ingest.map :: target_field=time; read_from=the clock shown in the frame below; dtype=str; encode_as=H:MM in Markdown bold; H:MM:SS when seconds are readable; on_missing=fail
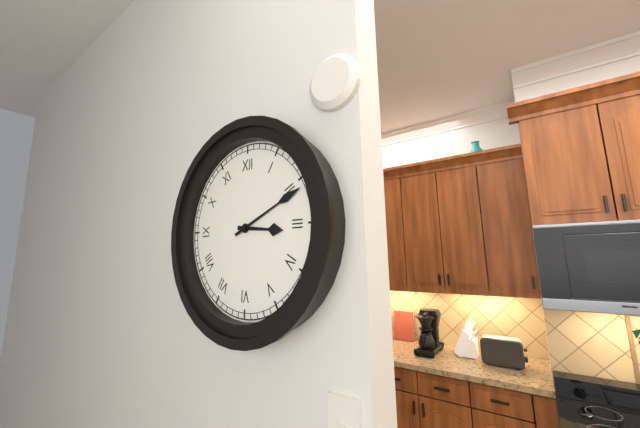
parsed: **3:11**
